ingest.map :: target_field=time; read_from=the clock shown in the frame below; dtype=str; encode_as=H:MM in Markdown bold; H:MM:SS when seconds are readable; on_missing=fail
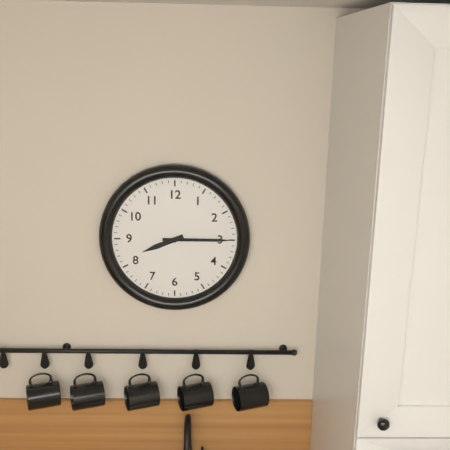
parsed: **8:15**
